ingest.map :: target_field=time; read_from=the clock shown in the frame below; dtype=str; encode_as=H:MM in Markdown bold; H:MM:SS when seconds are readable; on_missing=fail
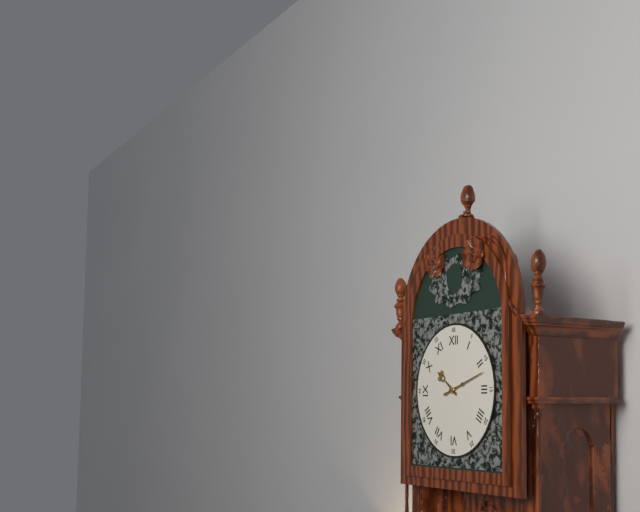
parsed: **10:12**
